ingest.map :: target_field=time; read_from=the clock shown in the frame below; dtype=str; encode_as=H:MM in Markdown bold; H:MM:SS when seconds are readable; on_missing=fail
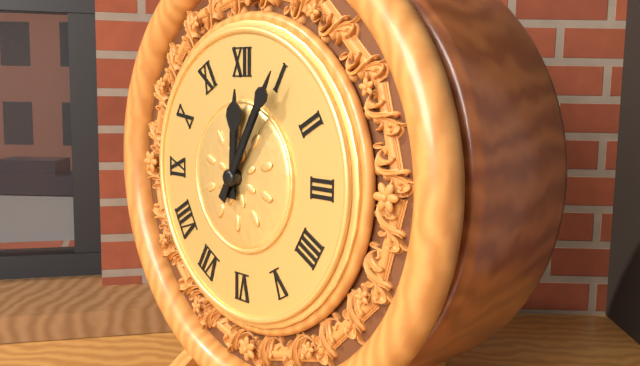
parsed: **12:05**
